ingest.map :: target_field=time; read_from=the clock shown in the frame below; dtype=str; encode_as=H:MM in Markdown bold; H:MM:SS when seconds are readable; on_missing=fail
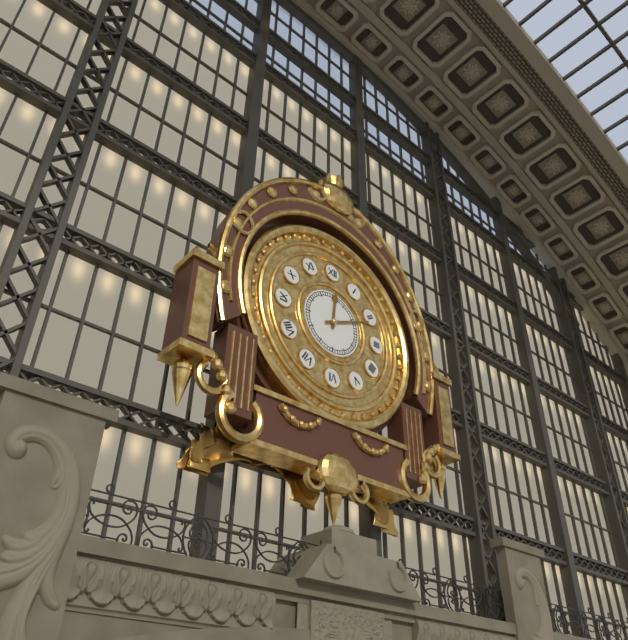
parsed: **12:11**
